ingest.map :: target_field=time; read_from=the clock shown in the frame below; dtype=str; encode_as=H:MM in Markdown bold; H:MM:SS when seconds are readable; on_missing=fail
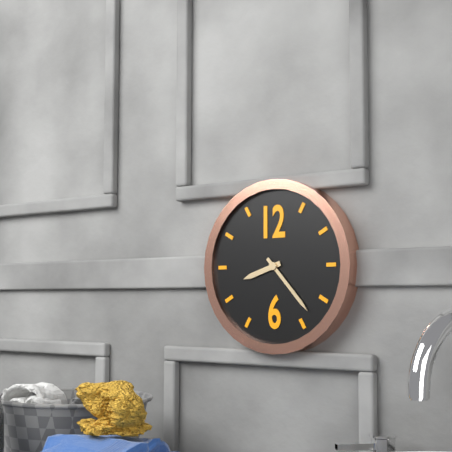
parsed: **8:23**
